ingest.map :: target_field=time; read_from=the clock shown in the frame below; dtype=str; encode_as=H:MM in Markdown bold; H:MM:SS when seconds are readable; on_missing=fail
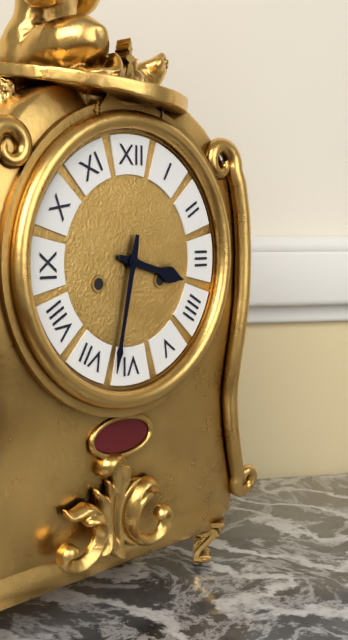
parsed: **3:32**
